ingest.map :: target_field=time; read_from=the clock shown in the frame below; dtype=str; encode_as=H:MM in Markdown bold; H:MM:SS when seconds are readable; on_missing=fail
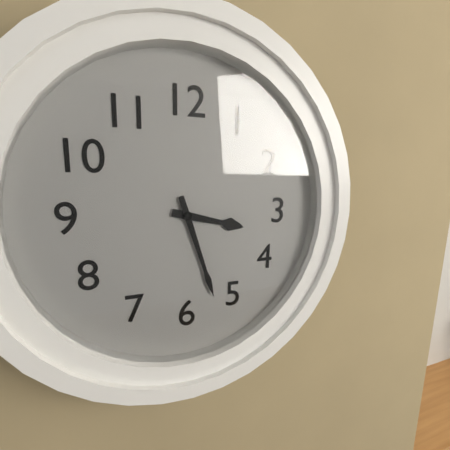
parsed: **3:27**
